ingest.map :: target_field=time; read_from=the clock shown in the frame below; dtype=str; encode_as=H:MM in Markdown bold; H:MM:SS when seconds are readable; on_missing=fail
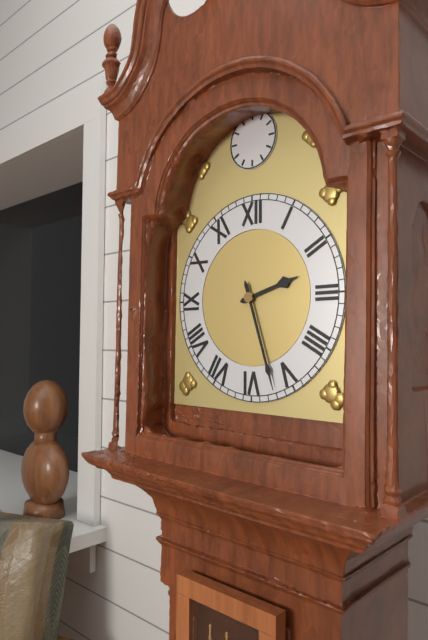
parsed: **2:27**
